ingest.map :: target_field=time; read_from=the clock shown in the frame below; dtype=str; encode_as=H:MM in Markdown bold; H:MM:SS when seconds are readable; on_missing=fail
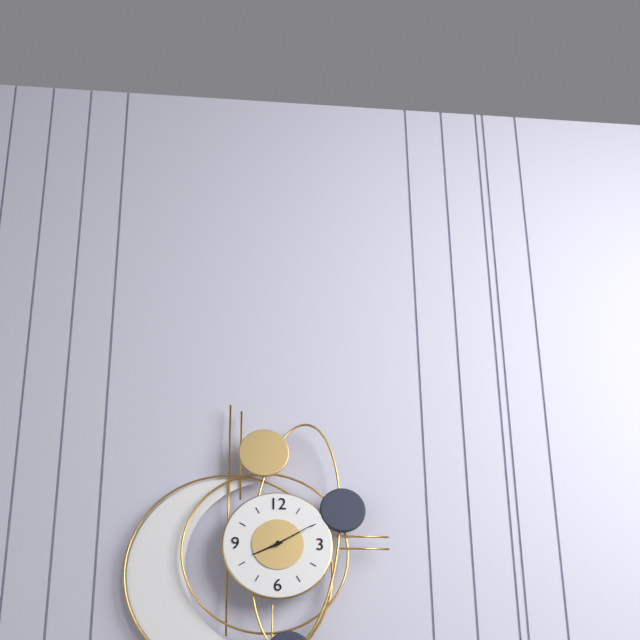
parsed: **8:10**
